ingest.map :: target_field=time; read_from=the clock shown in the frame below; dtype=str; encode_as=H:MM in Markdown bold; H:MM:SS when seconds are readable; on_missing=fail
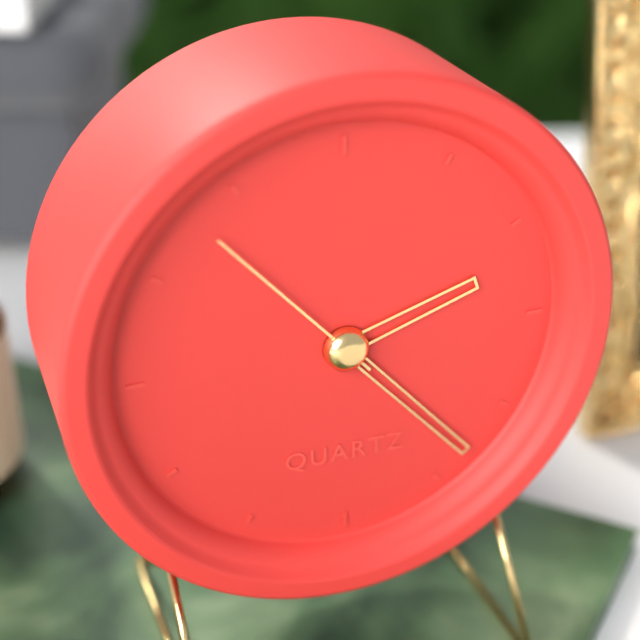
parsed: **2:23:53**
